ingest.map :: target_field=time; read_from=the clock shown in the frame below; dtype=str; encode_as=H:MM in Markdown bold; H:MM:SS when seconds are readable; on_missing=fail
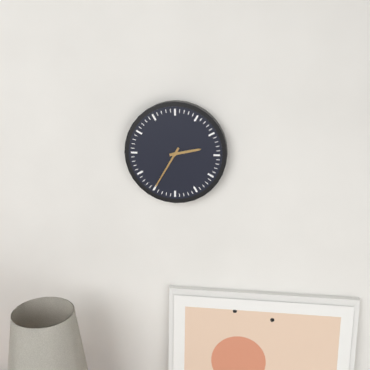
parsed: **2:35**
